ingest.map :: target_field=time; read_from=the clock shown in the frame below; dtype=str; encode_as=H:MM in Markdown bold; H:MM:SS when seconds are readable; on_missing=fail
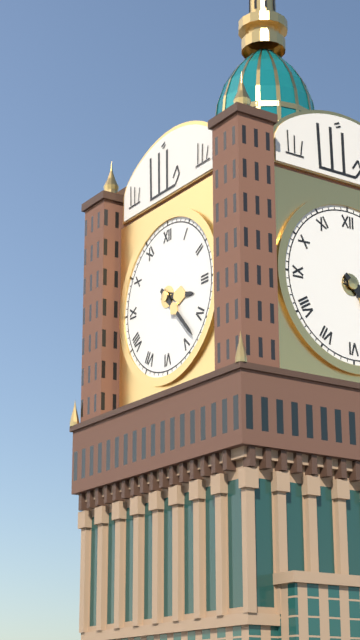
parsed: **3:23**
